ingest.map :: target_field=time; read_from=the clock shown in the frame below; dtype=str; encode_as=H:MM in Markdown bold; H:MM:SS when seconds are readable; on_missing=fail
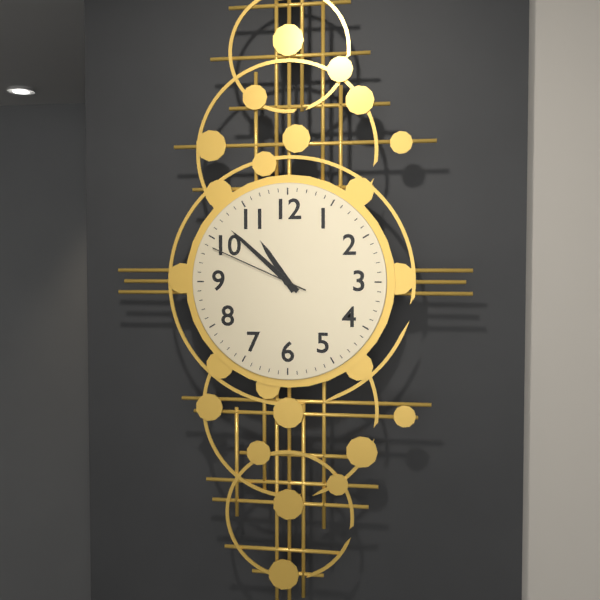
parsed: **10:52:49**
